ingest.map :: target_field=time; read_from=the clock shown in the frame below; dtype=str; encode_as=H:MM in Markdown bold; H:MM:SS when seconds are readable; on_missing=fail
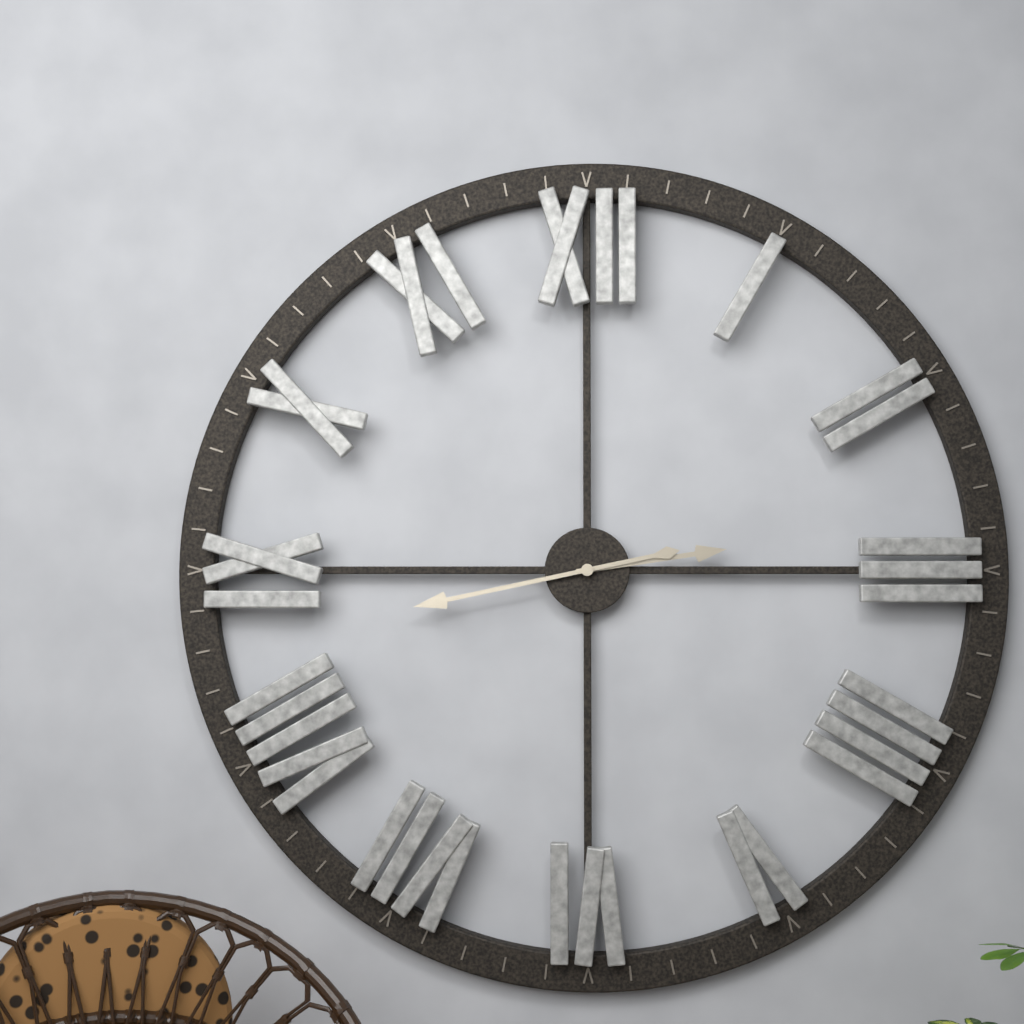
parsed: **2:43**
